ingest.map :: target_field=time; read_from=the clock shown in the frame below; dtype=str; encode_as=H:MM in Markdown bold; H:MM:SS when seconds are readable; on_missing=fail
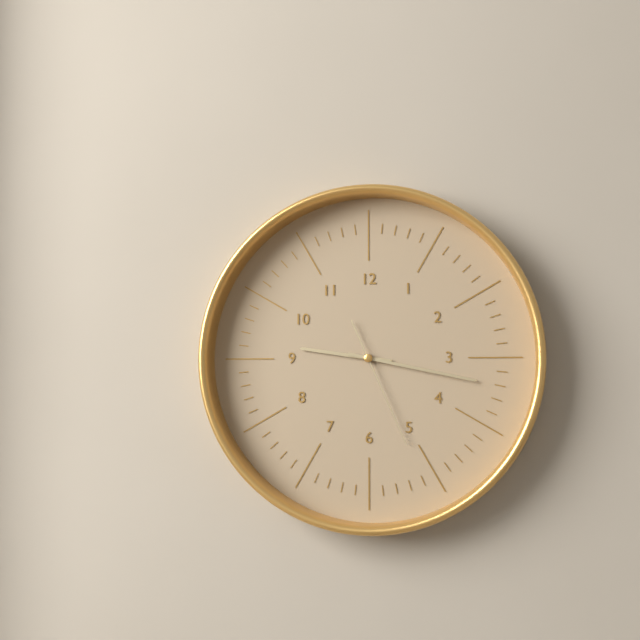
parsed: **9:17:26**
